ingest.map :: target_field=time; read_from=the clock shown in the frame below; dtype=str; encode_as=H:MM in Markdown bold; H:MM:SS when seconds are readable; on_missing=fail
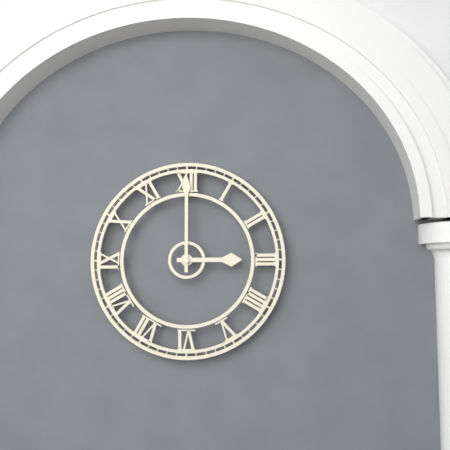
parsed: **3:00**
